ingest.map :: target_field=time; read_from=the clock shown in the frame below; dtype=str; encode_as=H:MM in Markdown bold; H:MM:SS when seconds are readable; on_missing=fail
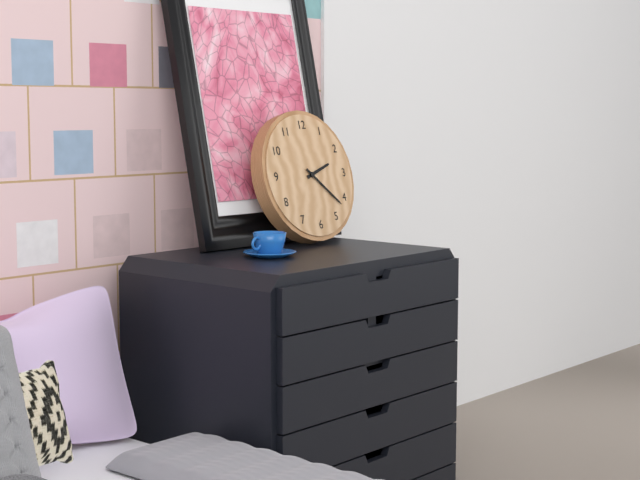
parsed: **2:22**
